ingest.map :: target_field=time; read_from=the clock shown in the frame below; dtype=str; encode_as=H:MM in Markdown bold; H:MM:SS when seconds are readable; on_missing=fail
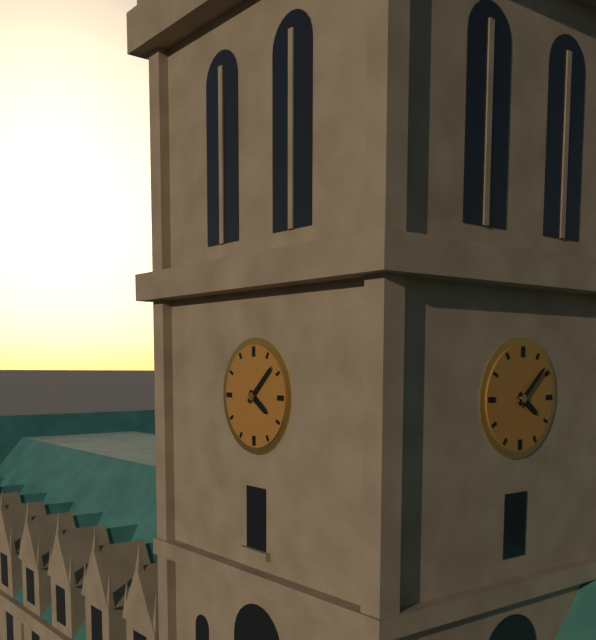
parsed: **4:08**
